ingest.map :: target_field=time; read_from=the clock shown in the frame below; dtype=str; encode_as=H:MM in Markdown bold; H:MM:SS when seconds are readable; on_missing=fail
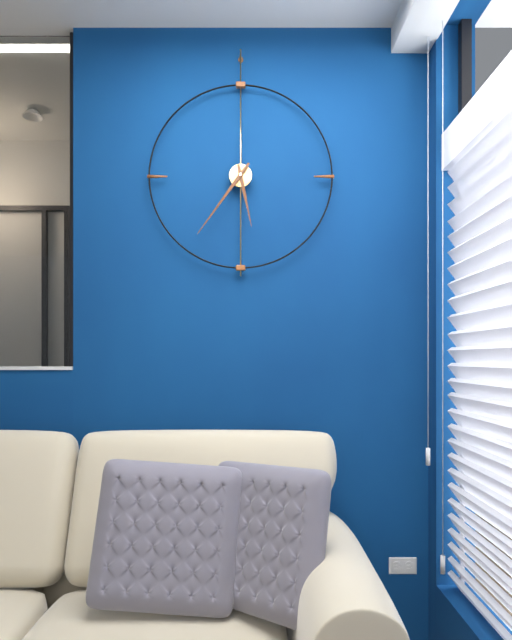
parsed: **5:36**
